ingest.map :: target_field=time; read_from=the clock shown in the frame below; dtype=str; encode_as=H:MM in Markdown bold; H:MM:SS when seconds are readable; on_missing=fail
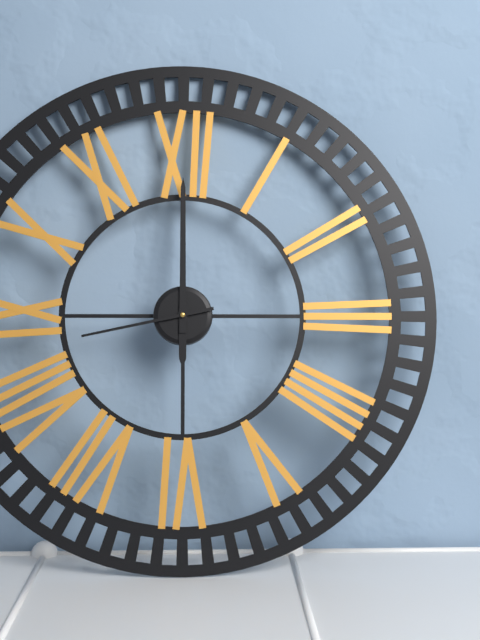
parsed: **6:00:43**
